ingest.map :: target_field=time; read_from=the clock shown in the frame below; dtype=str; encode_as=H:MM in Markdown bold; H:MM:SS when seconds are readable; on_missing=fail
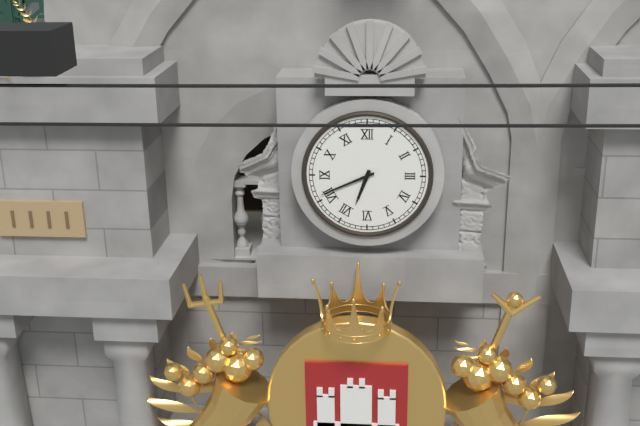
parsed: **6:41**
